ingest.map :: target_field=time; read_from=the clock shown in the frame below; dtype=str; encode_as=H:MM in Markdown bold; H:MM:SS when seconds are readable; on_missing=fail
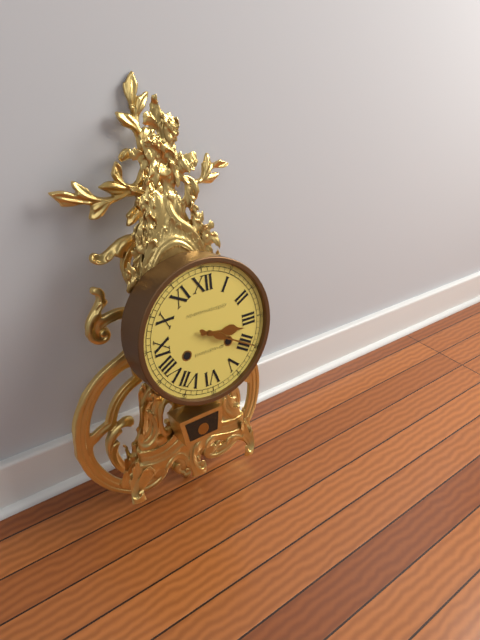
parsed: **3:20**
